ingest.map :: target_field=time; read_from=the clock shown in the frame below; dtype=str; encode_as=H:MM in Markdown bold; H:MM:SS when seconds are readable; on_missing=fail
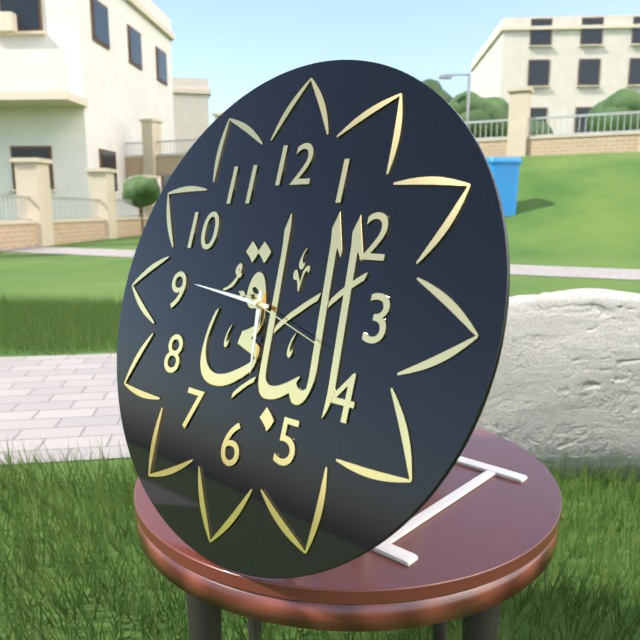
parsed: **5:46:18**
